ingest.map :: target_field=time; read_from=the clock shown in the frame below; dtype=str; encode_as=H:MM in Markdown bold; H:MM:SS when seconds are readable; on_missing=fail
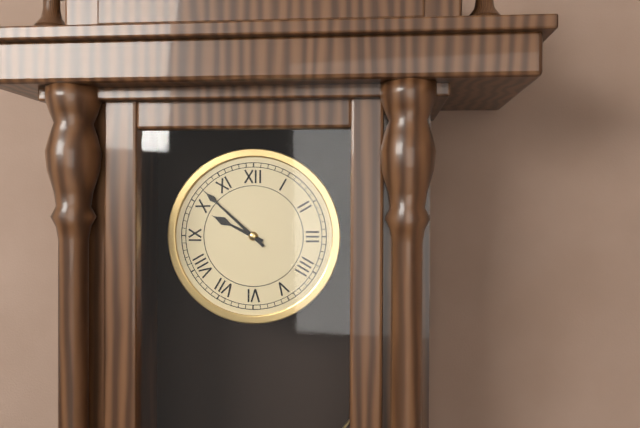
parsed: **9:52**
